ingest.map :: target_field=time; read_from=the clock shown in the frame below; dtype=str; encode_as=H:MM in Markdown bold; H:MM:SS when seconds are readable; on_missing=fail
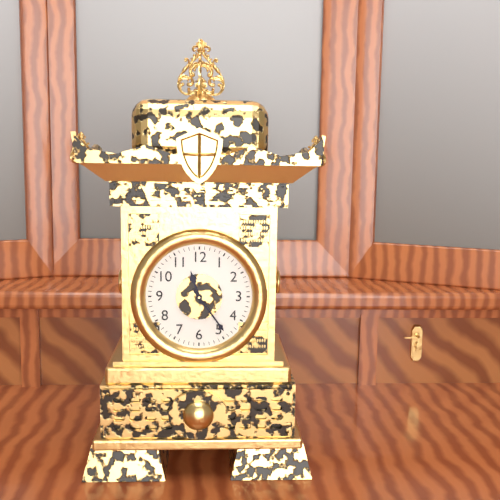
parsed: **11:24**
